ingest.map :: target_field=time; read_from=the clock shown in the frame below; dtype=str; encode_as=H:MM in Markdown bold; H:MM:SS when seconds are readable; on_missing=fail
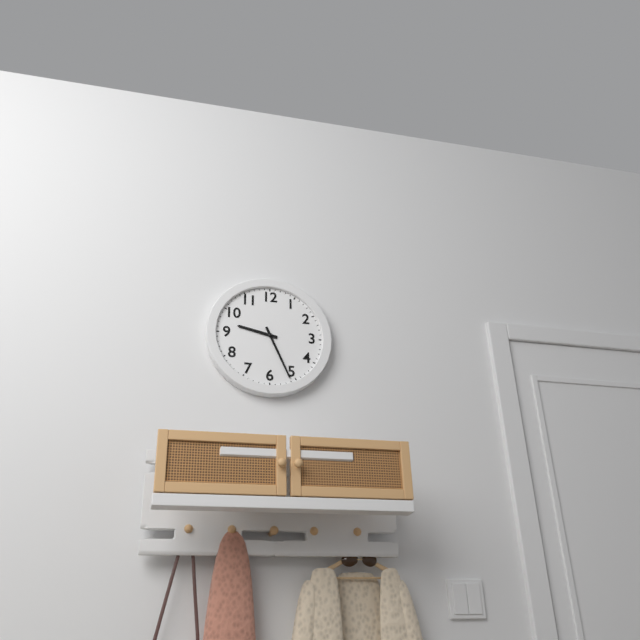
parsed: **9:26**
